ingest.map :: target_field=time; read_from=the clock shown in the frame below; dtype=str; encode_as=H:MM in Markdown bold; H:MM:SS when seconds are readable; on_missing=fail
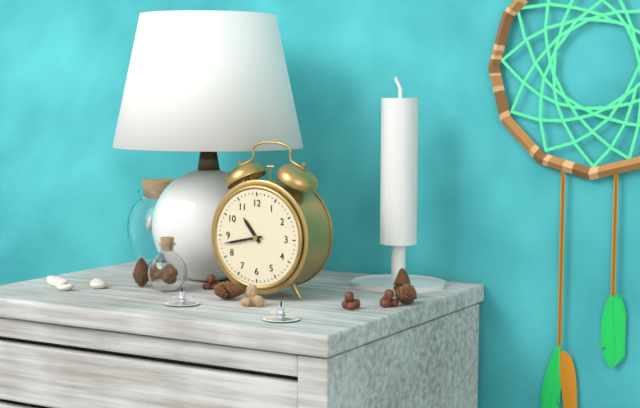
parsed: **10:43**
